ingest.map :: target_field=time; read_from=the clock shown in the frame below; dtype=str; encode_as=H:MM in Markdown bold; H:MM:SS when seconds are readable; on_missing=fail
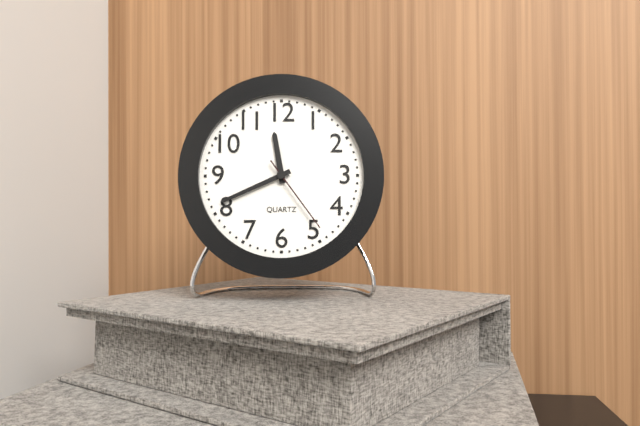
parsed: **11:41:24**
